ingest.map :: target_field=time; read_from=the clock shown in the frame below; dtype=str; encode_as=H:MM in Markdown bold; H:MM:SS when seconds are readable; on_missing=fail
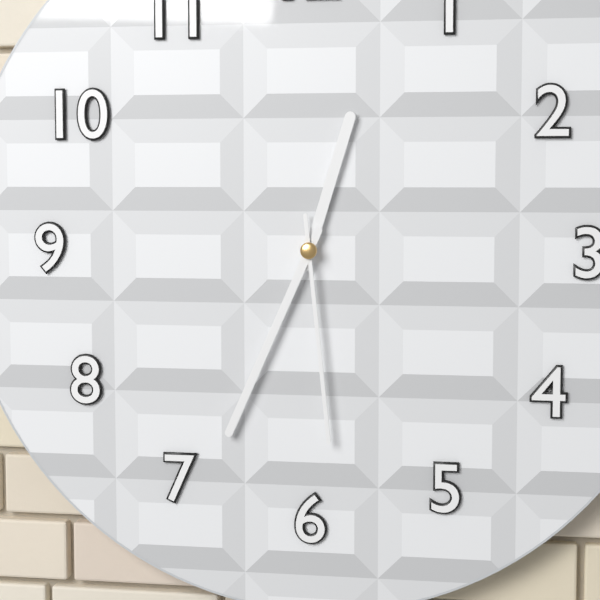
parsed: **12:34:29**
